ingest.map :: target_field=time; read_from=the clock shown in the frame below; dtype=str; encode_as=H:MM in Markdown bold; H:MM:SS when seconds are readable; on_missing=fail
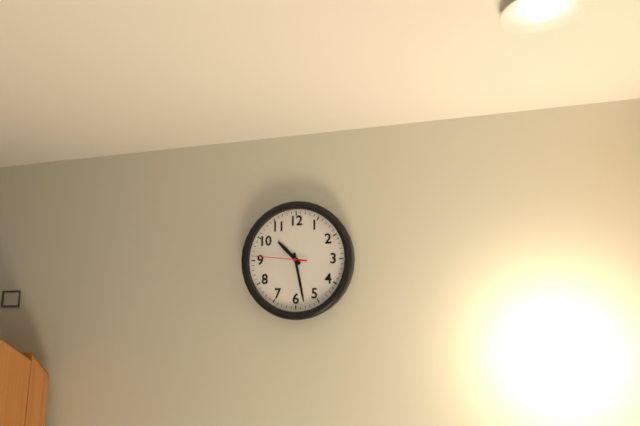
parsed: **10:28:46**
